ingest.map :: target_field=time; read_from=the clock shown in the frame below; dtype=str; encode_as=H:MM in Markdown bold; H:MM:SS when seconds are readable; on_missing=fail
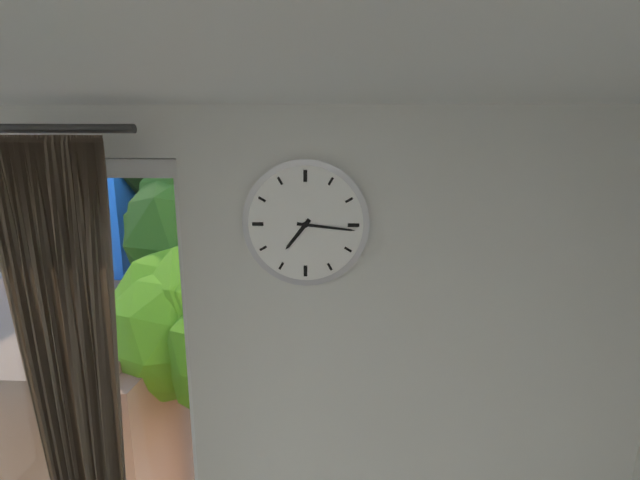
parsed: **7:16**
